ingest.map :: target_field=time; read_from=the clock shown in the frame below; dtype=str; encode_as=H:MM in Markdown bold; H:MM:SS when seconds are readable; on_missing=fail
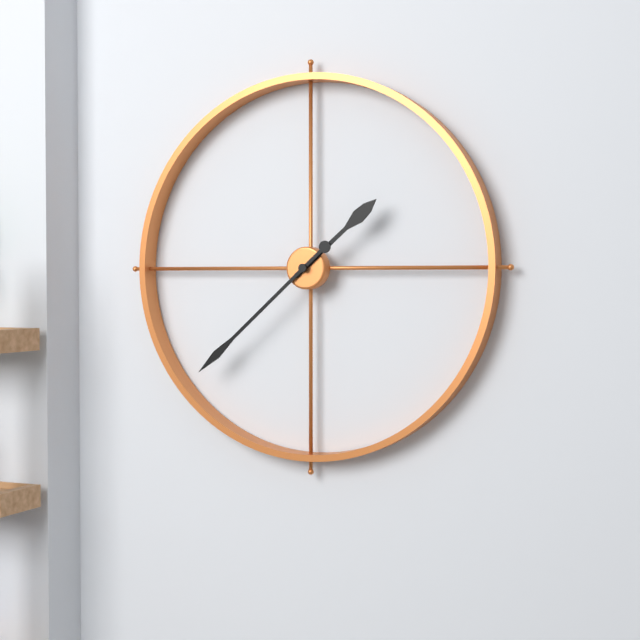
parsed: **1:38**
